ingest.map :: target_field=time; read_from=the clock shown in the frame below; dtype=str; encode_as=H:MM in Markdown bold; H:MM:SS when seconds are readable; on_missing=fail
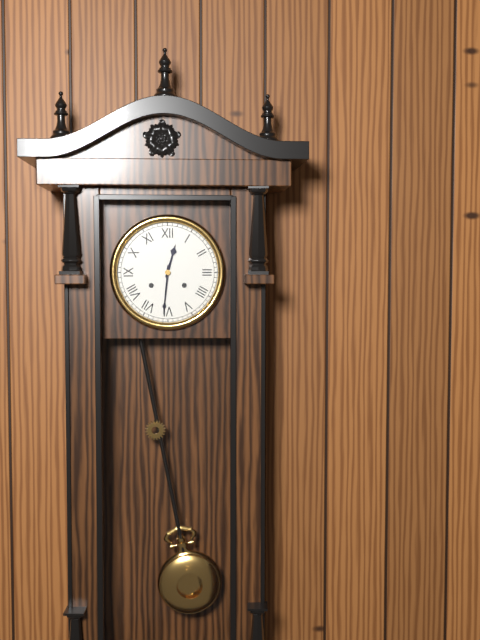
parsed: **12:31**
